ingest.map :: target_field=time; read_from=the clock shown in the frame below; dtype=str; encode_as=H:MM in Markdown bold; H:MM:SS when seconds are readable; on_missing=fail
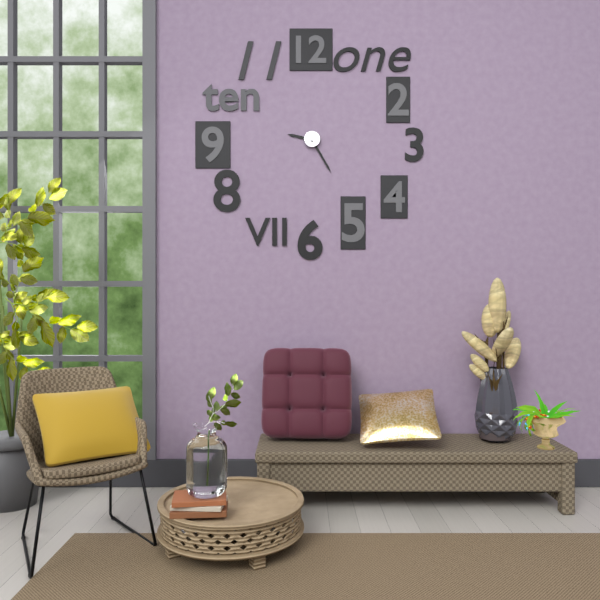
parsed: **9:25**
